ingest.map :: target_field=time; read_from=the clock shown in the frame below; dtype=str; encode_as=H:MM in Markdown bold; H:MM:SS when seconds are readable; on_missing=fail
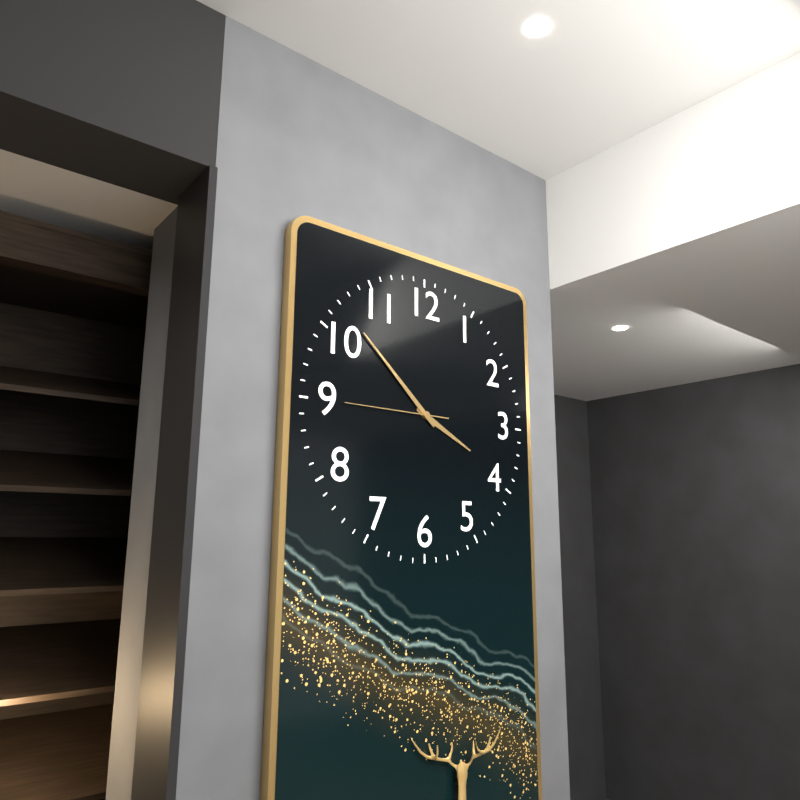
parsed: **3:52:45**
